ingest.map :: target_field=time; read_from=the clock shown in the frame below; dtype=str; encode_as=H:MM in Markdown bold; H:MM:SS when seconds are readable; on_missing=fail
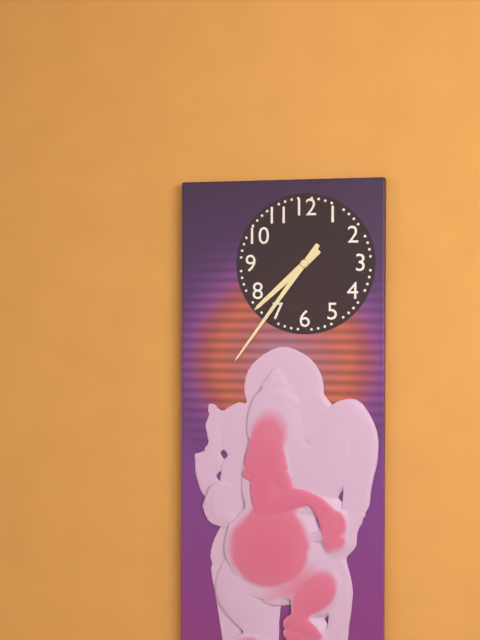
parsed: **7:36**
